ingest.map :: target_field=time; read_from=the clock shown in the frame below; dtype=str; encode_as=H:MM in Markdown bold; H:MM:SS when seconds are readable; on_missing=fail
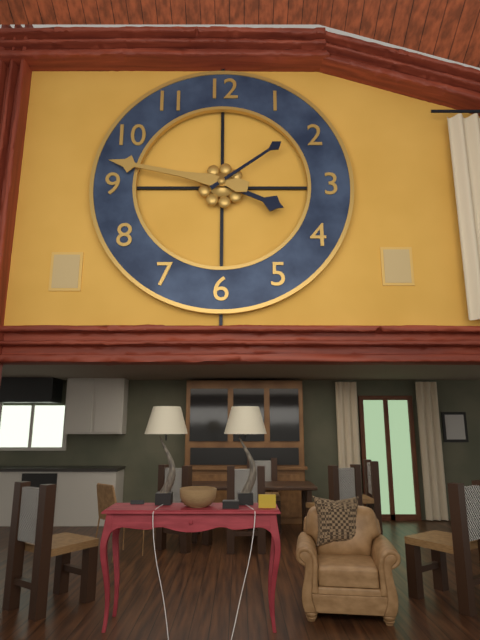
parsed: **3:47:09**
